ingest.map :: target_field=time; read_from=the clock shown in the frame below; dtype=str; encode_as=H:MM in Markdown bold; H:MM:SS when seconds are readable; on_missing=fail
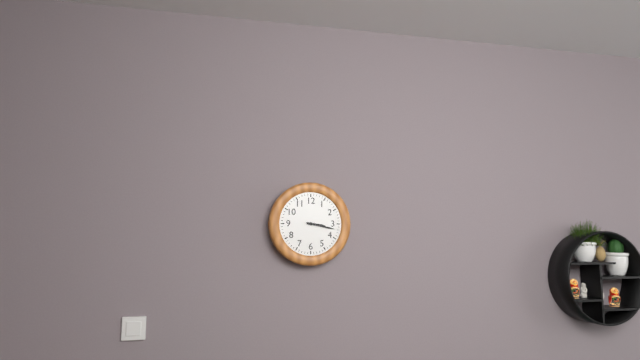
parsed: **3:17**
